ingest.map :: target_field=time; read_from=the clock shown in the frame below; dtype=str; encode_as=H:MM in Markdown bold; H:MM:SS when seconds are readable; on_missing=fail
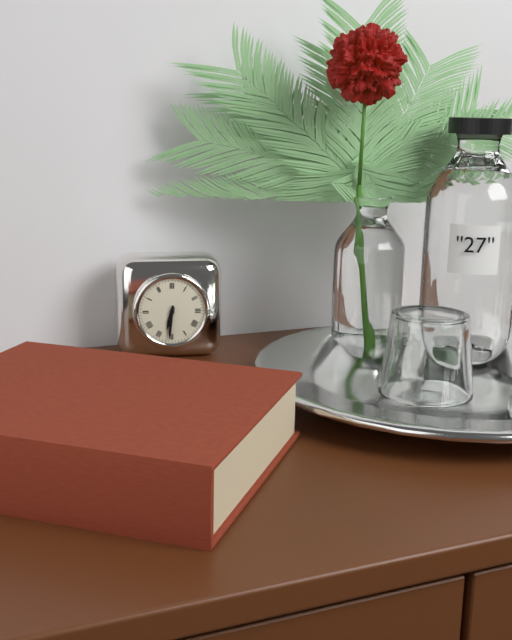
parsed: **6:31**
